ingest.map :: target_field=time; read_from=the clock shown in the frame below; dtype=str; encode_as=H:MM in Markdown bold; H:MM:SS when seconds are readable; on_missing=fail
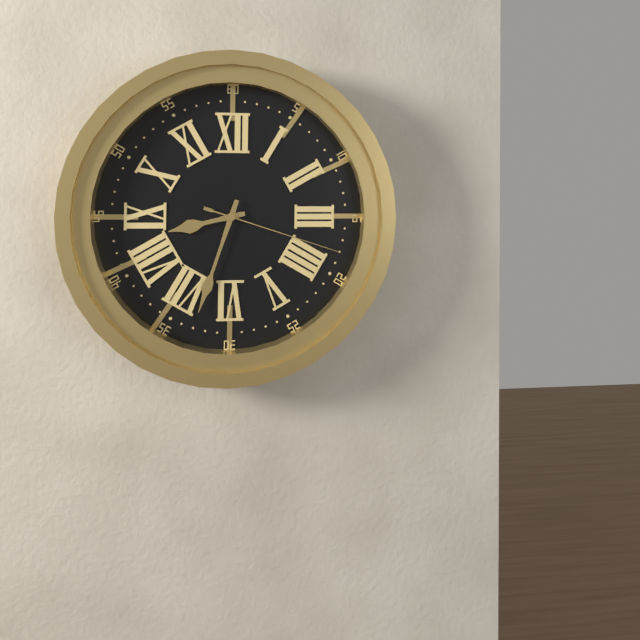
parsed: **8:33:18**
